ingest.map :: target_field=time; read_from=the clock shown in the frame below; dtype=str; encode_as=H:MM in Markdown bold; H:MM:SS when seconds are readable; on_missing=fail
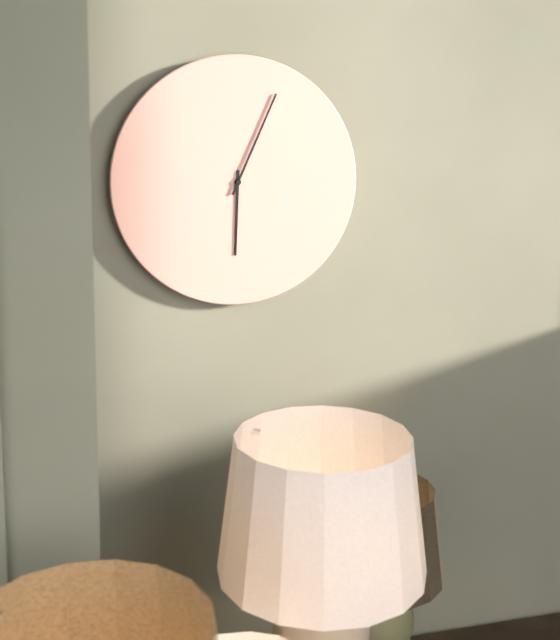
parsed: **6:04**
